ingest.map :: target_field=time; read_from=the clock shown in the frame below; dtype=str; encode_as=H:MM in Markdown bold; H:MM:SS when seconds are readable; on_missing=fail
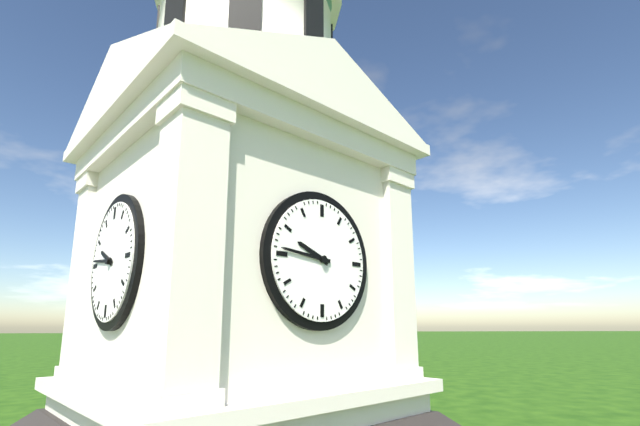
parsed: **9:46**
